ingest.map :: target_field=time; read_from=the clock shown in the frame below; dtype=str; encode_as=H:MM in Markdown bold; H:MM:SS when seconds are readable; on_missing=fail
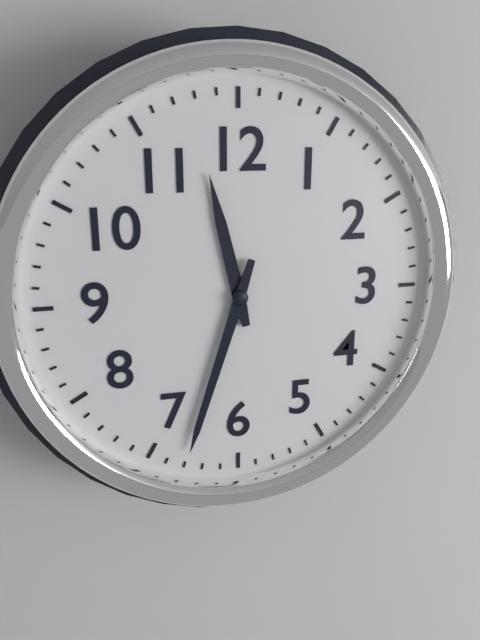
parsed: **11:33**
